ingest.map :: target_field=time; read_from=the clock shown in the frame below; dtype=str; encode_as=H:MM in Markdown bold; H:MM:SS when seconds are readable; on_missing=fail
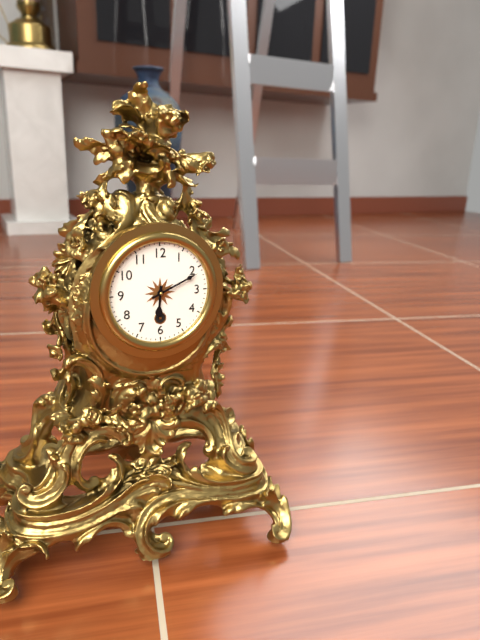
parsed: **6:11**
